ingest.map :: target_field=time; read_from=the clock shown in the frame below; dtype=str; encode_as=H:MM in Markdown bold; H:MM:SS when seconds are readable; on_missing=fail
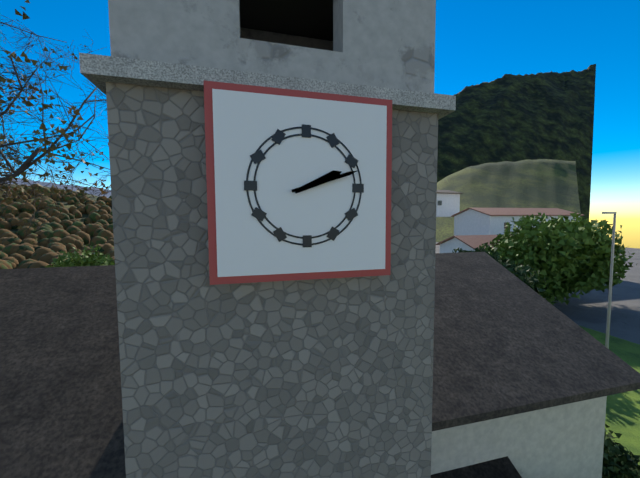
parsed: **2:12**
